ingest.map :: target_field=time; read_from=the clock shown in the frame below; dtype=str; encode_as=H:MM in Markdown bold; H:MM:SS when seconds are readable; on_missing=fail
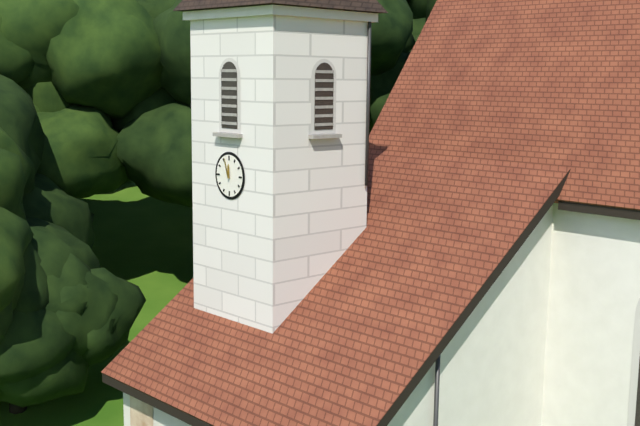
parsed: **11:57**
